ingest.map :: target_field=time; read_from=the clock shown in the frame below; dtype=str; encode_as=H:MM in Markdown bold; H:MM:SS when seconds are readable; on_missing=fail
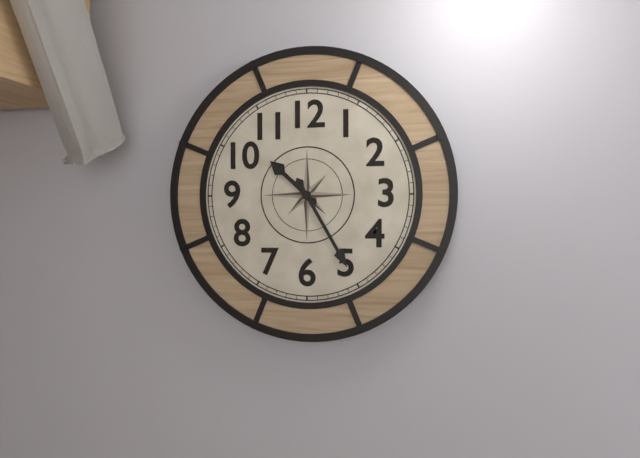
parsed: **10:25**
